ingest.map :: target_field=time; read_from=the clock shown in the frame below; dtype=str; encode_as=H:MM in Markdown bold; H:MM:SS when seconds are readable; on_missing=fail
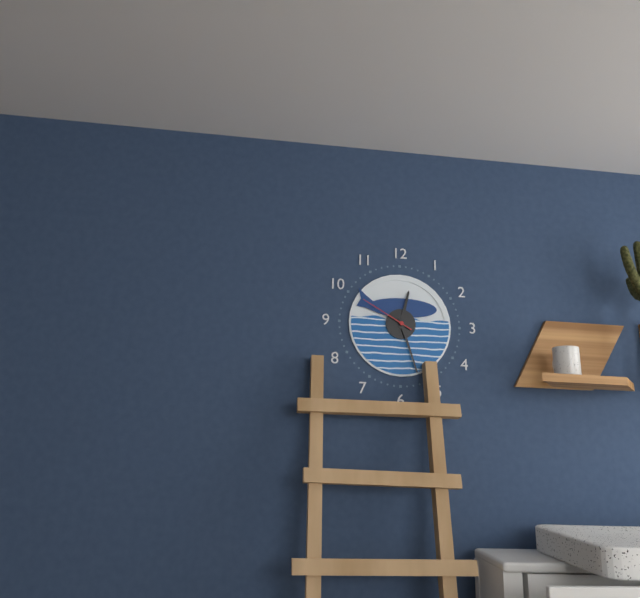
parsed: **12:27:50**
